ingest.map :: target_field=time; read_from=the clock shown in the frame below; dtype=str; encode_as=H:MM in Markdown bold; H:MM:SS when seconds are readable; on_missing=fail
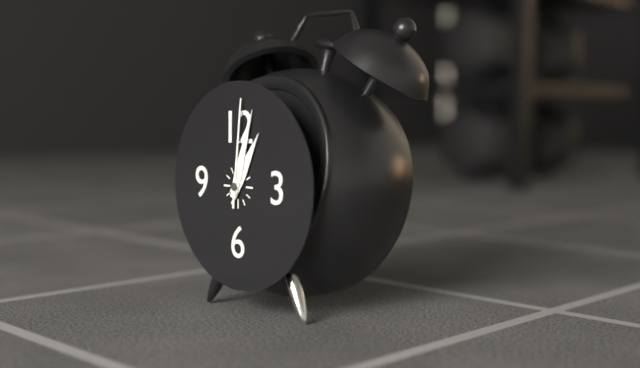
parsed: **1:03:01**
